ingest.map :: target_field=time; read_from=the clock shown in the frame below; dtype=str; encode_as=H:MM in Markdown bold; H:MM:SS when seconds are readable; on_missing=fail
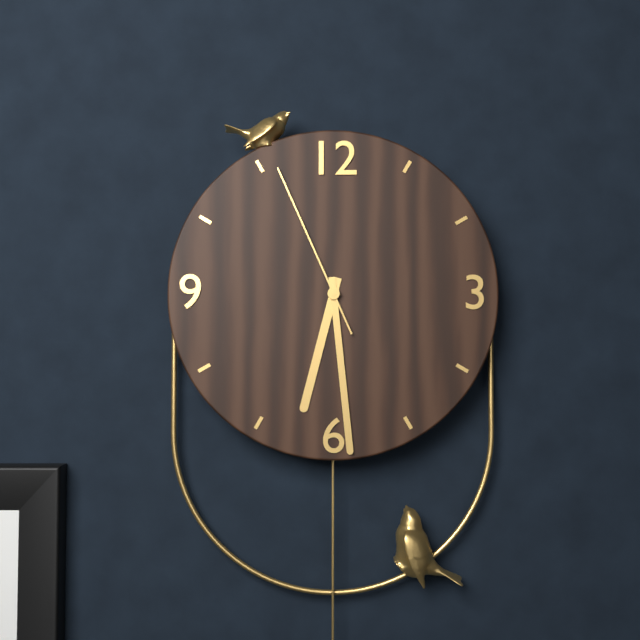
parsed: **6:29:56**
